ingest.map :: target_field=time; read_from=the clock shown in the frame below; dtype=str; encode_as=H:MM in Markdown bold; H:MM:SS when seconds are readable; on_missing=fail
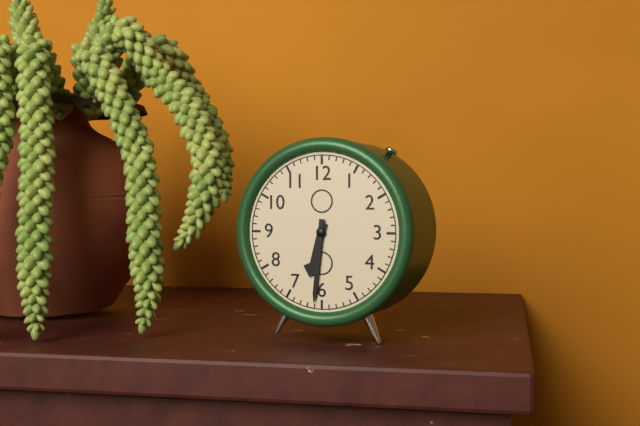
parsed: **6:31**
